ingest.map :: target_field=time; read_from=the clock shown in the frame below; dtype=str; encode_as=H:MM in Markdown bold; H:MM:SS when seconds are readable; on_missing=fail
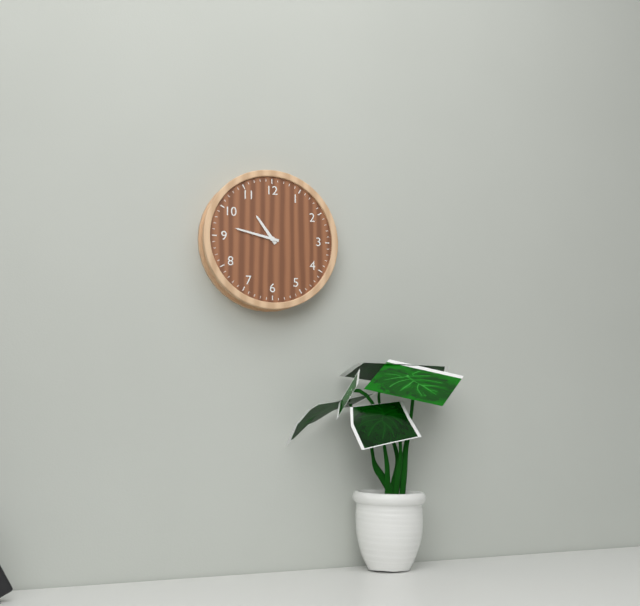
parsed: **10:47**
